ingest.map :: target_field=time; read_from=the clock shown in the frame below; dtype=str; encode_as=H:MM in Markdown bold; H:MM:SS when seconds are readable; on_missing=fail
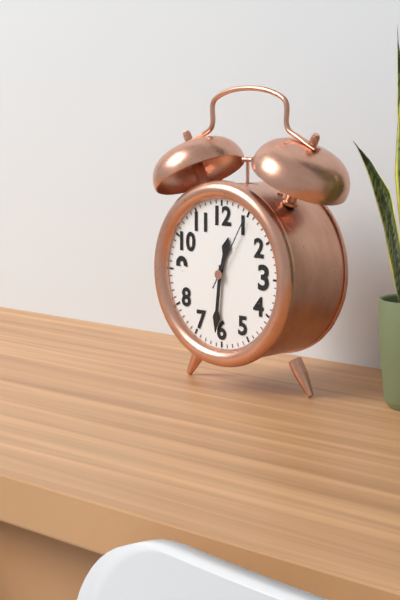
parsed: **12:31:05**
